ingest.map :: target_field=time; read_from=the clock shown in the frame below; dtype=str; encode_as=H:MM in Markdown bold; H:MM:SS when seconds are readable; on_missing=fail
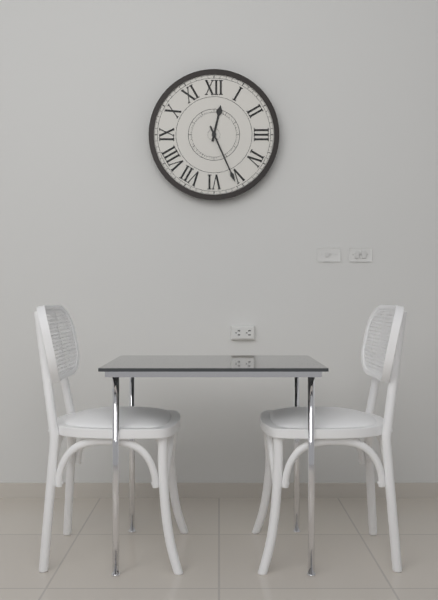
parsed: **12:26**
